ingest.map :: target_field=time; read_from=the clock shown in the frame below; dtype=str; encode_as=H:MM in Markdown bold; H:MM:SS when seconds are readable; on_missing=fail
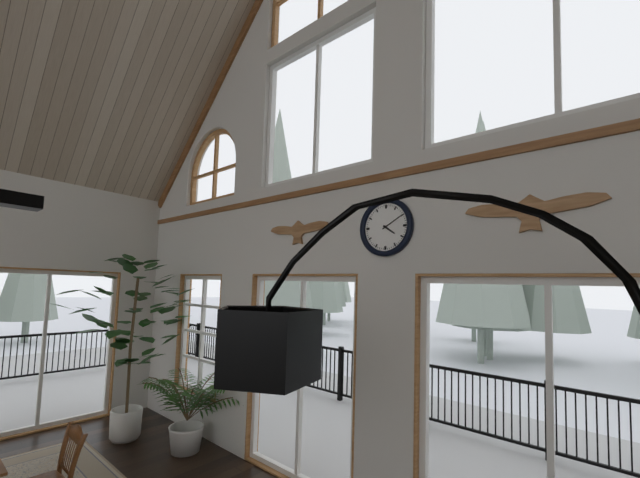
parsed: **4:10**
